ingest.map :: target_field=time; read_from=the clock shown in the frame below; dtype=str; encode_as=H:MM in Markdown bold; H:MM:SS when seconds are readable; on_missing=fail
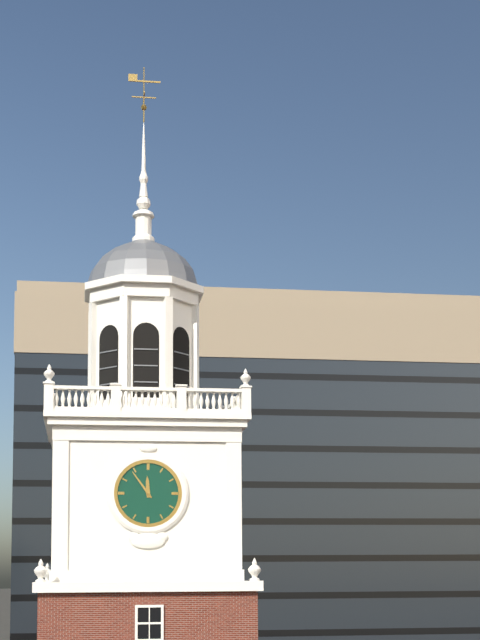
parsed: **11:54**
